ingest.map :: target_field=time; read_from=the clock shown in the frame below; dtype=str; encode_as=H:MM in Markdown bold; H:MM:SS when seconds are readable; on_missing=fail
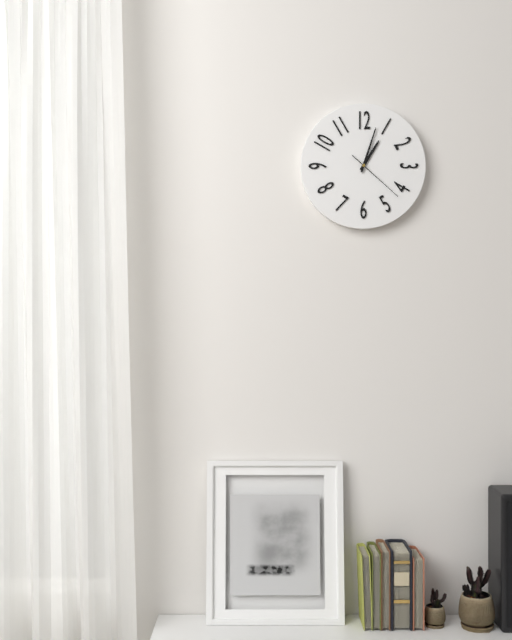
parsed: **1:03:22**
